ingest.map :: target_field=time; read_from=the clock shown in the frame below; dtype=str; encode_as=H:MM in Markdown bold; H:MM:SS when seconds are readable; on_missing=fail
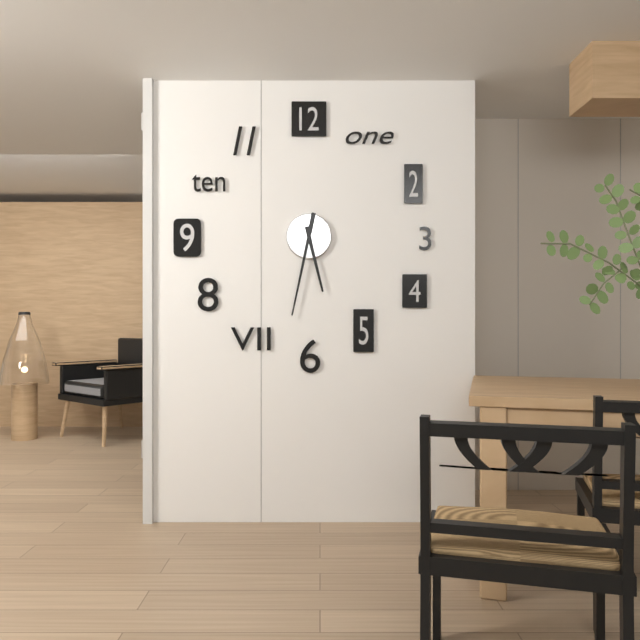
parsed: **5:32**
